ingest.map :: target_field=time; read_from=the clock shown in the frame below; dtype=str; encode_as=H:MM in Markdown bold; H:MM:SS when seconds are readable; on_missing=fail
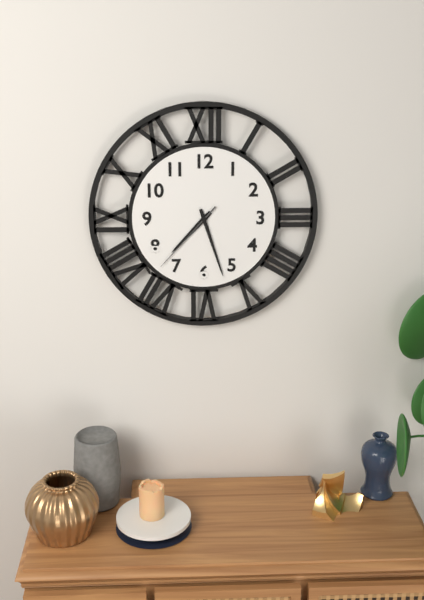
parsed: **7:27:37**
